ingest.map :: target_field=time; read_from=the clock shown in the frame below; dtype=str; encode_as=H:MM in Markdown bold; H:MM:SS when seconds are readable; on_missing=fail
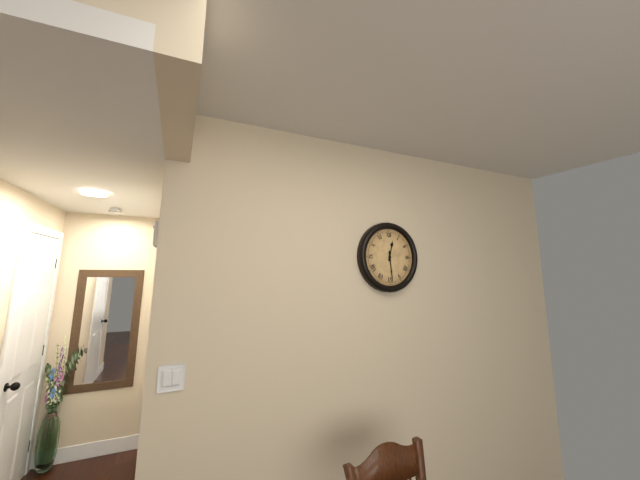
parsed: **12:29**
